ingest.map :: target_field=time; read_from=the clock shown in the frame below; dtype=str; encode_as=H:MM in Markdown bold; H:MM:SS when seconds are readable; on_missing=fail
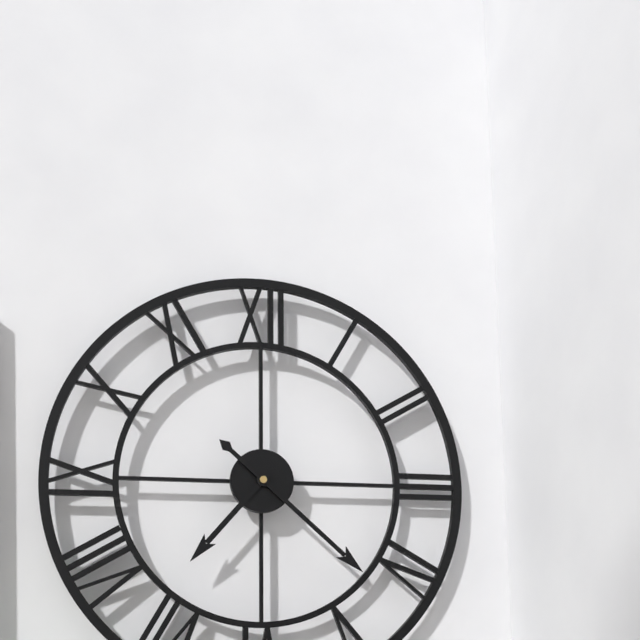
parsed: **7:22**
